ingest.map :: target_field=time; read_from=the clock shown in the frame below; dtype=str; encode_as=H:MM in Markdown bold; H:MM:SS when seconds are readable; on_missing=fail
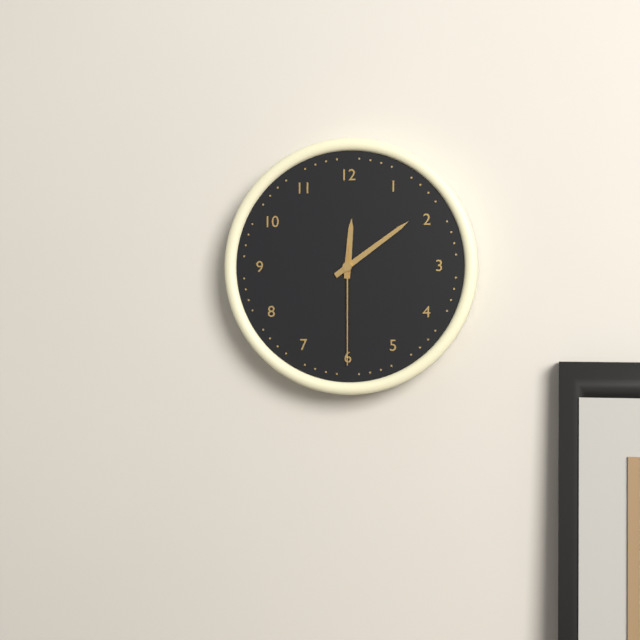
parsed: **12:09:30**
